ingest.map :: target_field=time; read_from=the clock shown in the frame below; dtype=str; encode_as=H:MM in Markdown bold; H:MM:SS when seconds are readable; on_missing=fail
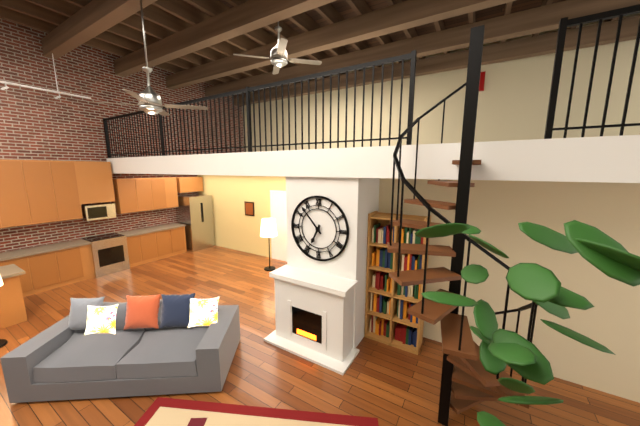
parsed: **6:53**
